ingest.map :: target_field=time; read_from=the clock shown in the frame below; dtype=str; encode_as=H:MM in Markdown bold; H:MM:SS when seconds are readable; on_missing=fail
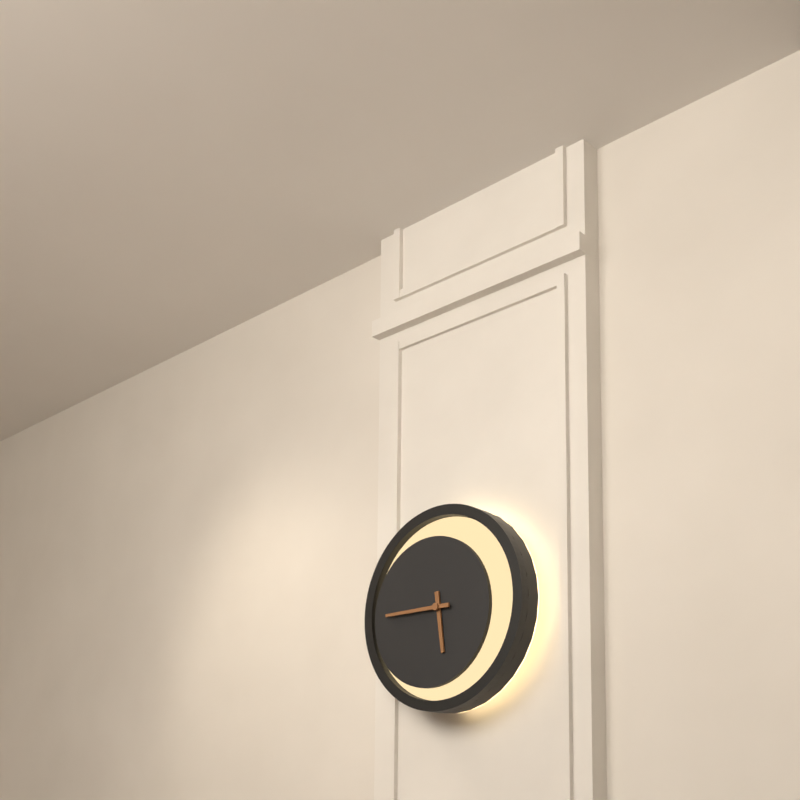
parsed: **5:45**
